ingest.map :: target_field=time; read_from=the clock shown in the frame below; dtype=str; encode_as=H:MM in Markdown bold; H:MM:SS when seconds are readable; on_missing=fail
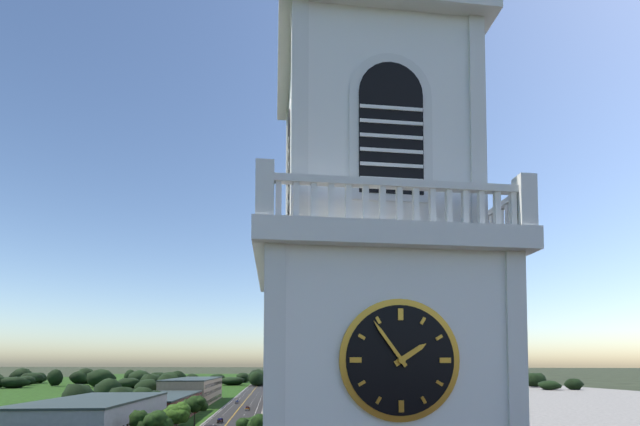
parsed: **1:54**
